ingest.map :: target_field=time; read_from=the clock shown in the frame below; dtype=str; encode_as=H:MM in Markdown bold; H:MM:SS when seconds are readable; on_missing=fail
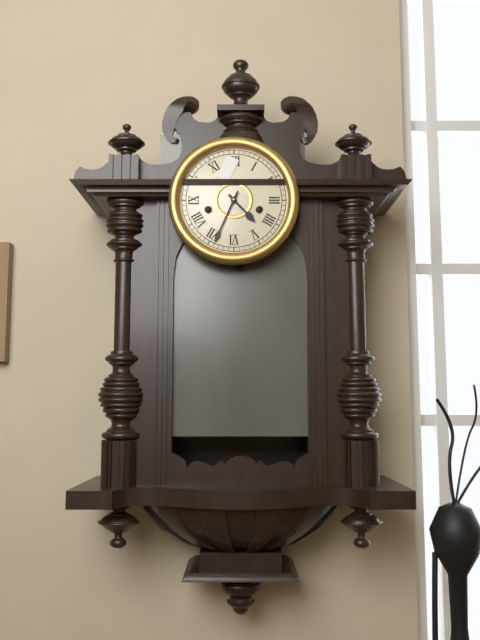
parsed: **4:34**
